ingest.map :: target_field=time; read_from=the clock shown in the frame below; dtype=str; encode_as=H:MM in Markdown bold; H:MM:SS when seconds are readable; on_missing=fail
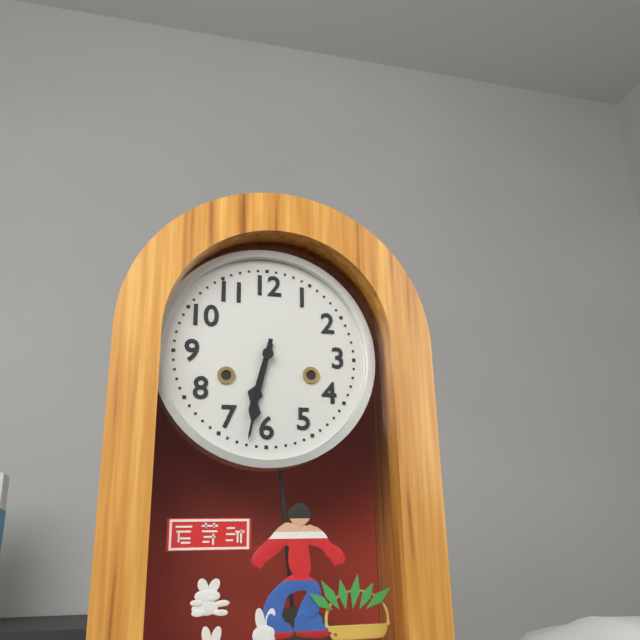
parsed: **6:32**
